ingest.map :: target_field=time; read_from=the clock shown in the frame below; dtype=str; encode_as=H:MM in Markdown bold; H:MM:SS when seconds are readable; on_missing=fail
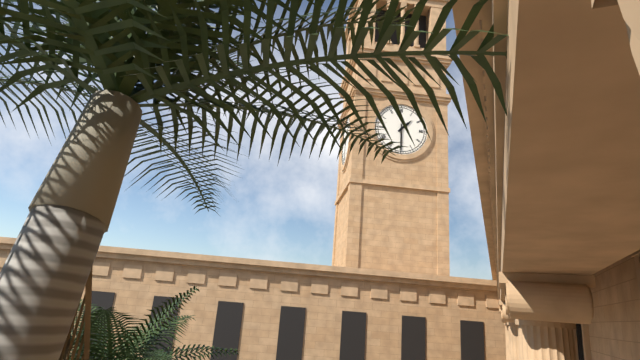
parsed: **1:30**
